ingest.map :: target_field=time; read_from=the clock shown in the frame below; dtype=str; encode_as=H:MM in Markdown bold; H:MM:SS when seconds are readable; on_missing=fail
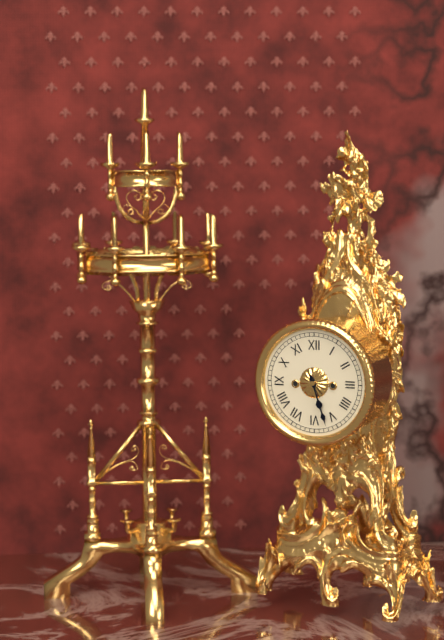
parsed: **5:27**
